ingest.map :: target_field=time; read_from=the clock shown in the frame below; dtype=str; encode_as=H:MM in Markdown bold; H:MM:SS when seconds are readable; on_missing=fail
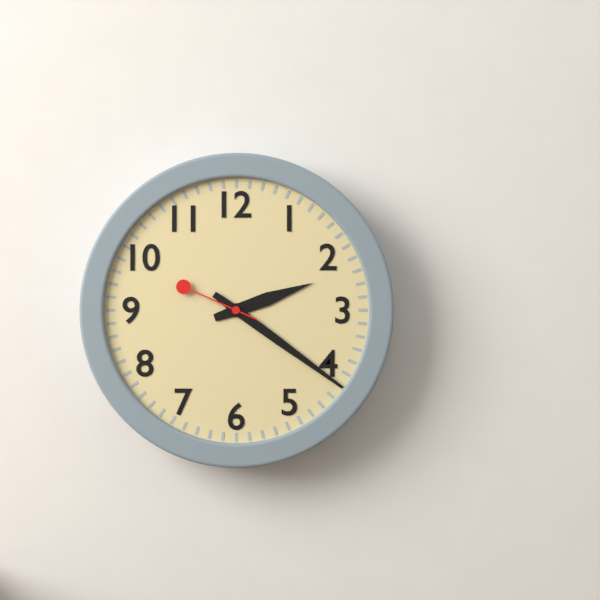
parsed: **2:21:49**
